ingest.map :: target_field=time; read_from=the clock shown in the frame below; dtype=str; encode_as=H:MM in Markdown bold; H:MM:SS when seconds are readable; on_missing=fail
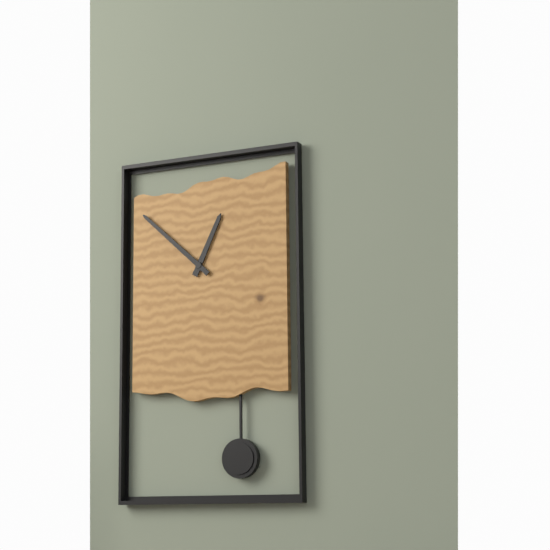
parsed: **12:52**
